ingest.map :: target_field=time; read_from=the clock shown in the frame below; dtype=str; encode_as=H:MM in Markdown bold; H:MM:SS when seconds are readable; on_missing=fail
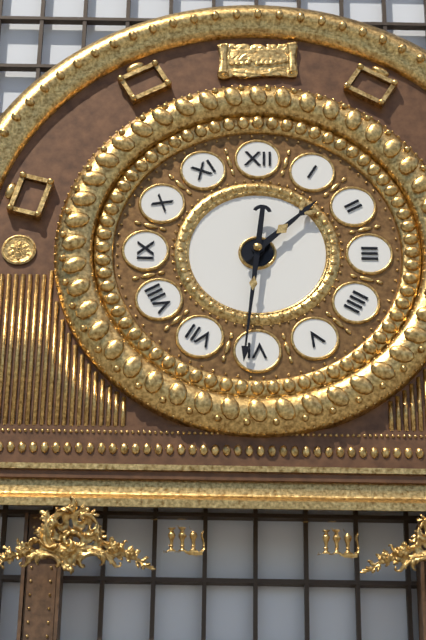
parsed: **1:31**
